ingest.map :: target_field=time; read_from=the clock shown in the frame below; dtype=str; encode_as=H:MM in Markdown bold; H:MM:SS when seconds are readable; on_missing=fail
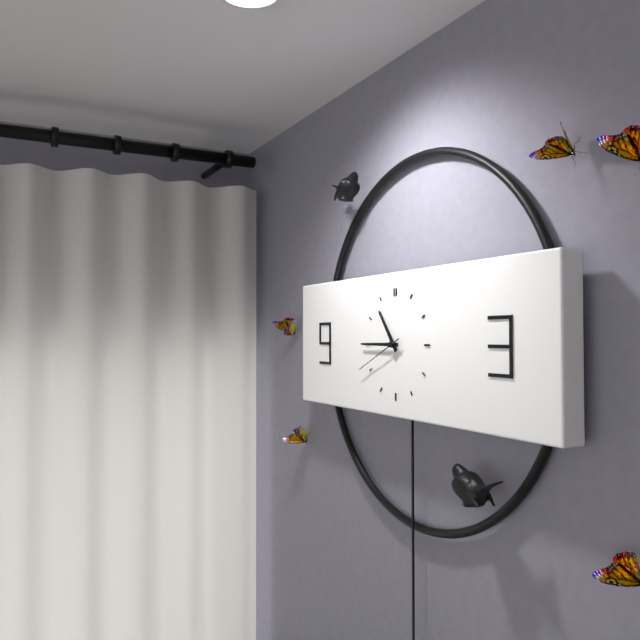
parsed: **10:45:41**
